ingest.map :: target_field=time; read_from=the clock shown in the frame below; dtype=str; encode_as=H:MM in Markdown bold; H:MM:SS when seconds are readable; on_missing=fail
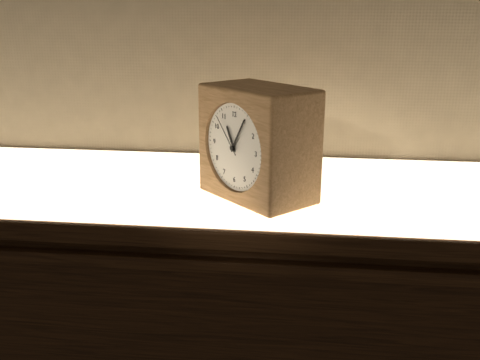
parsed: **11:05**
